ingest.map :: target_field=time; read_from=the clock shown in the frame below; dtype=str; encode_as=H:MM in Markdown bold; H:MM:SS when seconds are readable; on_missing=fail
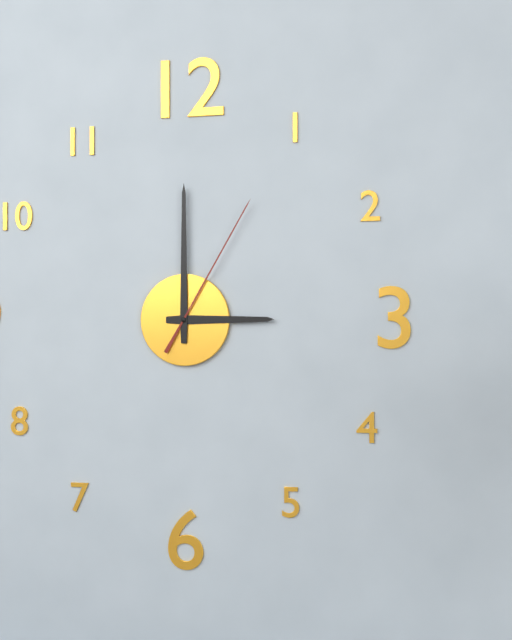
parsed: **3:00:05**
